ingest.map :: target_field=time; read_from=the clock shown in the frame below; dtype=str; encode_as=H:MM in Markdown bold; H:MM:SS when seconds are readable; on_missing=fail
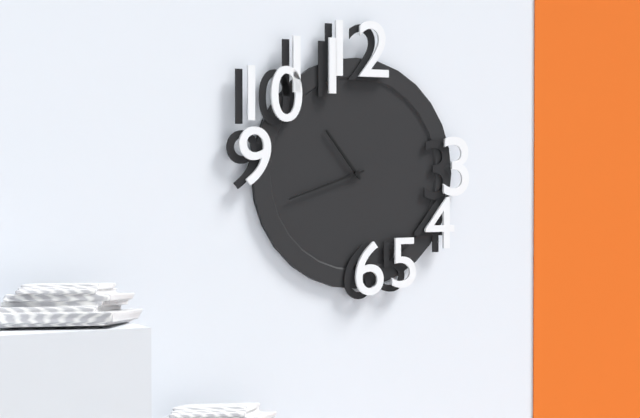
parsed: **10:42**
